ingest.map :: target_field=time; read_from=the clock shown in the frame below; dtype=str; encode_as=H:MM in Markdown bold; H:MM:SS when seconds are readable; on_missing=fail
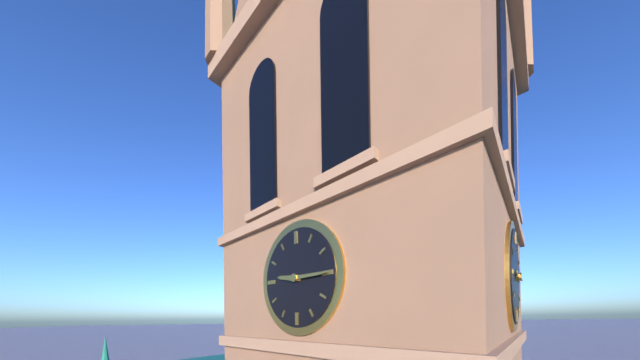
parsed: **9:15**
